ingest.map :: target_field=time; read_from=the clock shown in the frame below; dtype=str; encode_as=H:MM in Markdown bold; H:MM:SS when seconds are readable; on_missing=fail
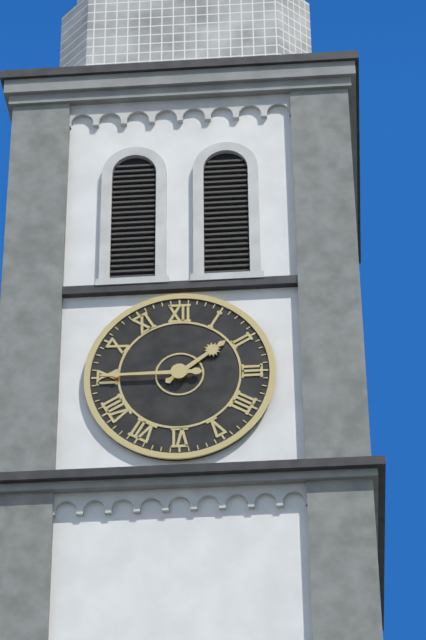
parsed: **1:45**
